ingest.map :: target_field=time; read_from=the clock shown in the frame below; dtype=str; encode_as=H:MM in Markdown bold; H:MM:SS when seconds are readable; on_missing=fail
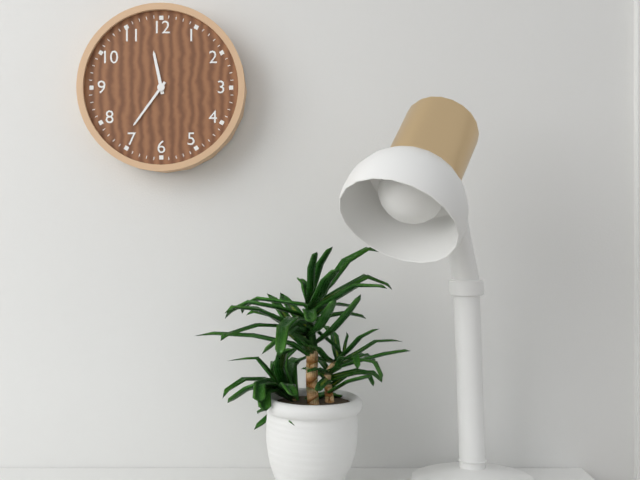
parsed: **11:36**
